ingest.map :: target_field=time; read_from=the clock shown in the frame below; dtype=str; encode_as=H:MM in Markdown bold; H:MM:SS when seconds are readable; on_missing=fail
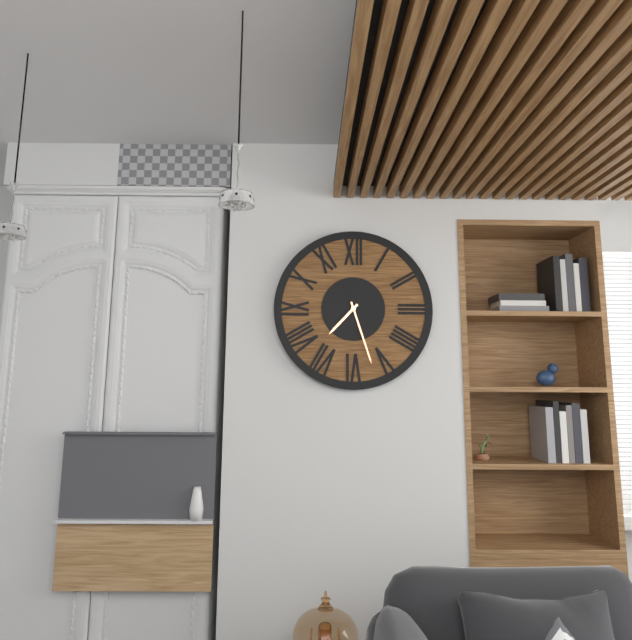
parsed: **7:27**
